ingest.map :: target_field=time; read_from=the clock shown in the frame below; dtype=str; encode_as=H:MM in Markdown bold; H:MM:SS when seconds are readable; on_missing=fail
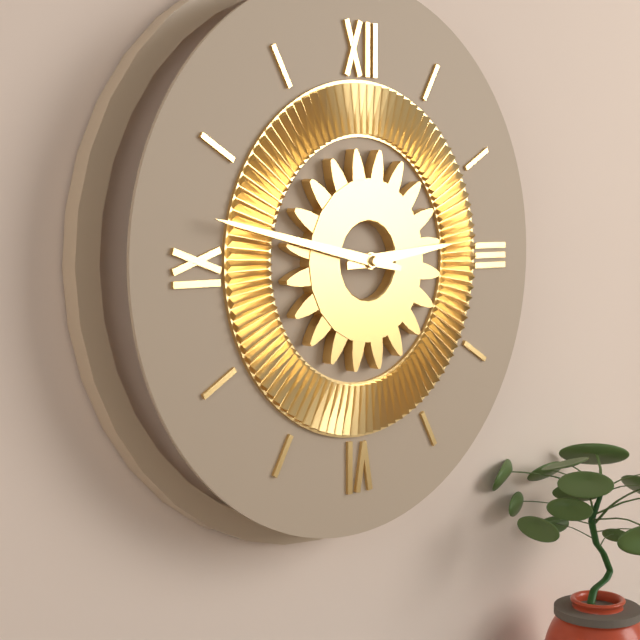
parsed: **2:47**
